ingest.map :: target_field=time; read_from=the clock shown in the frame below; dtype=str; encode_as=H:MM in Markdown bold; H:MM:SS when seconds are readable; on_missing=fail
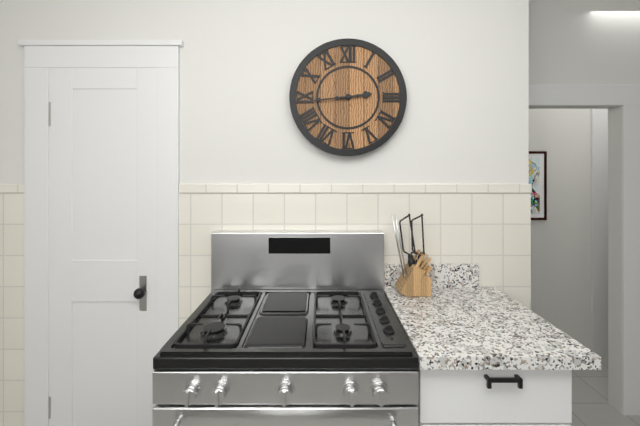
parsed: **2:44**
